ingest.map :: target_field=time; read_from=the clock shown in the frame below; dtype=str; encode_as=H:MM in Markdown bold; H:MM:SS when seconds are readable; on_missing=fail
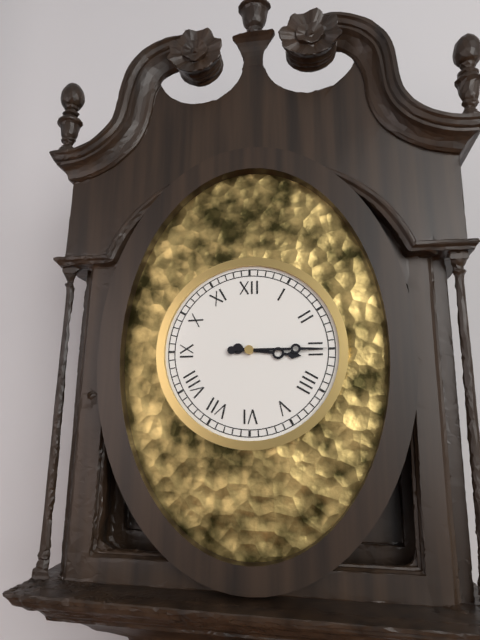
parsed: **3:15**
